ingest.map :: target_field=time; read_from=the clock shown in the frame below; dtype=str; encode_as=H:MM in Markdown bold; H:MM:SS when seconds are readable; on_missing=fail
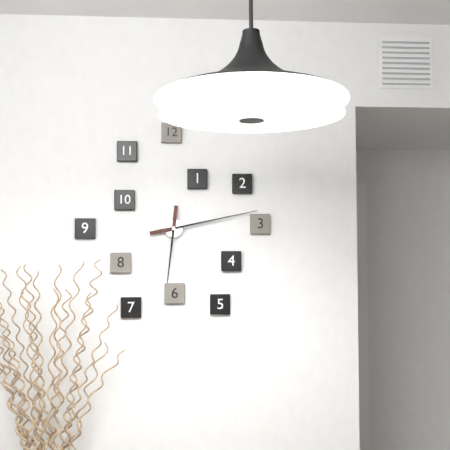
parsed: **6:13**
